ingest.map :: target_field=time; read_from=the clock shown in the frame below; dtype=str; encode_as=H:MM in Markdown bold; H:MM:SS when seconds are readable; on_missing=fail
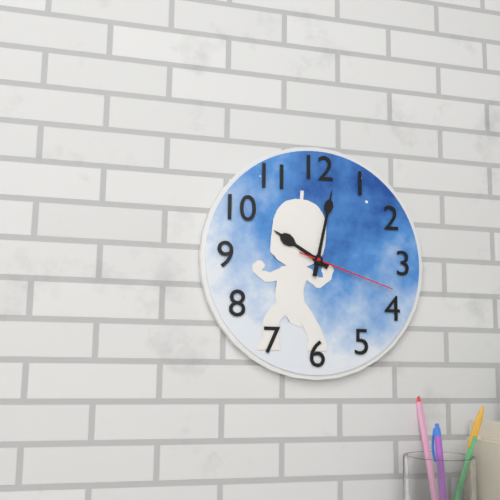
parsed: **10:02:18**
